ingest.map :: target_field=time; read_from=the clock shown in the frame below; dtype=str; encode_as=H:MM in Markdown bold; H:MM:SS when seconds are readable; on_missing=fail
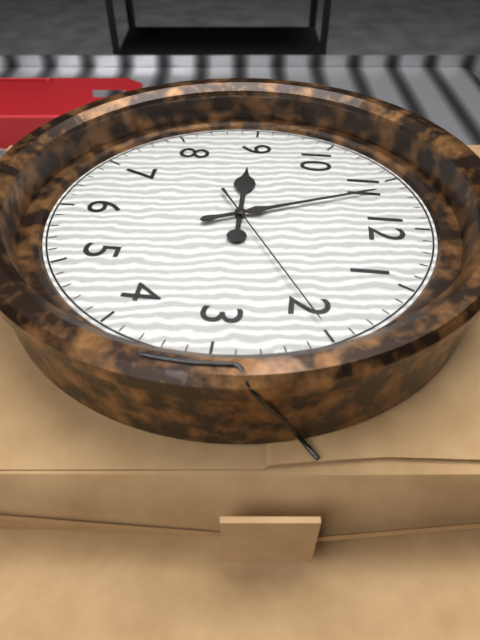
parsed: **8:56:10**
